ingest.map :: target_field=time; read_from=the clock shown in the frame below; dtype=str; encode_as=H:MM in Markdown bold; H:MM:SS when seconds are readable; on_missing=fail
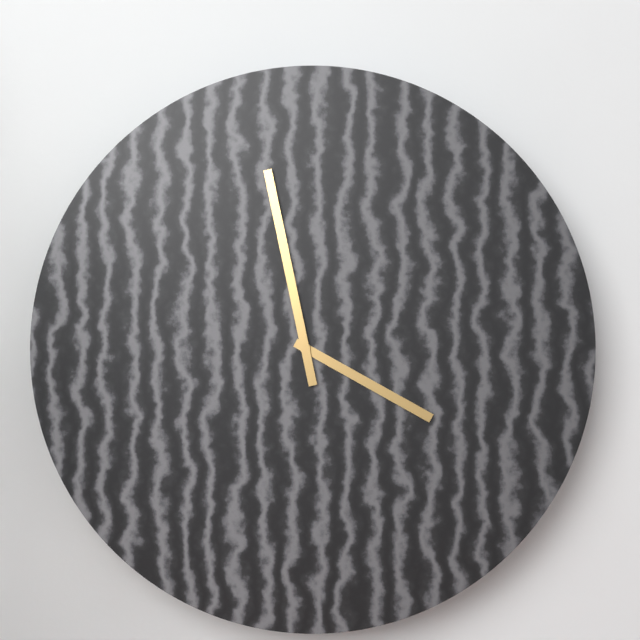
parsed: **3:58**
